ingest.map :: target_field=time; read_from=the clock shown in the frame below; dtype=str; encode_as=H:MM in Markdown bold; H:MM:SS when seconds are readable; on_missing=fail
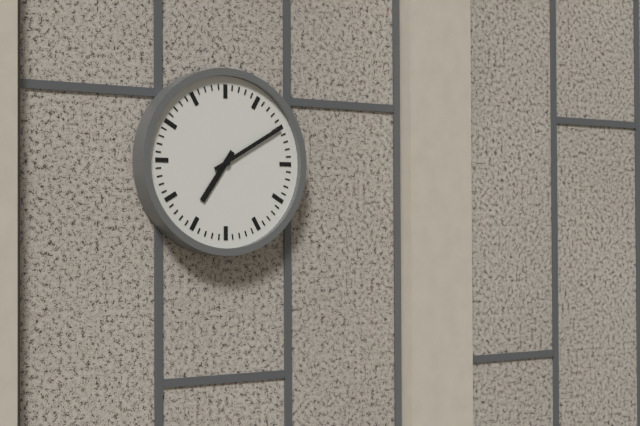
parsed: **7:10**
